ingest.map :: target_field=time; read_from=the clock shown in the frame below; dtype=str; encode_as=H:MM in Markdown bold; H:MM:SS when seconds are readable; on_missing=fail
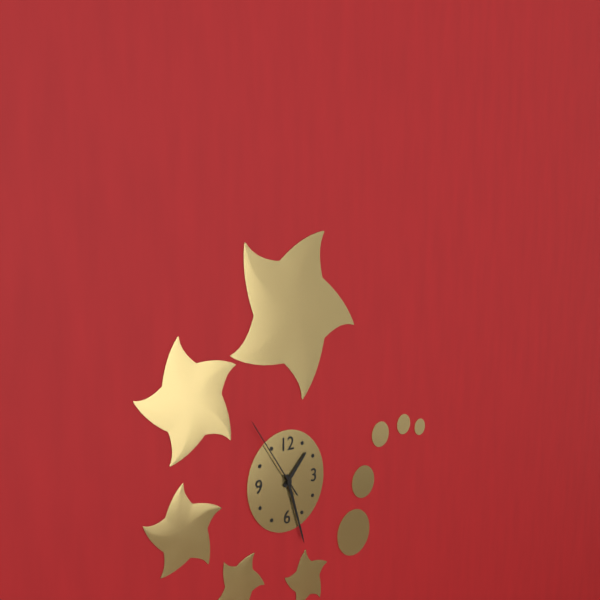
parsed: **1:27:54**
